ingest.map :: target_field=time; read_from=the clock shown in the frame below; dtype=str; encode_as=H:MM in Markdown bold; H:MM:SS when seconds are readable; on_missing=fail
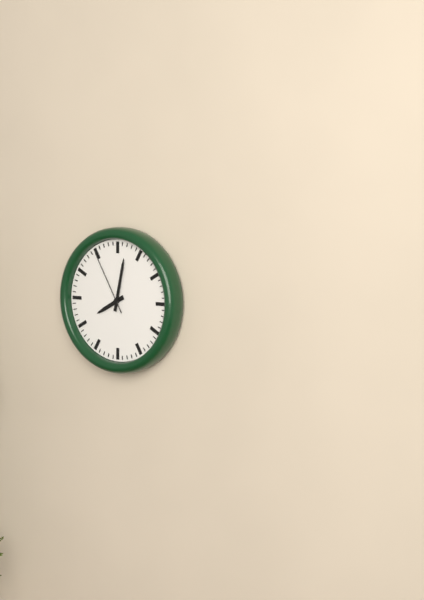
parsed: **8:02:55**
